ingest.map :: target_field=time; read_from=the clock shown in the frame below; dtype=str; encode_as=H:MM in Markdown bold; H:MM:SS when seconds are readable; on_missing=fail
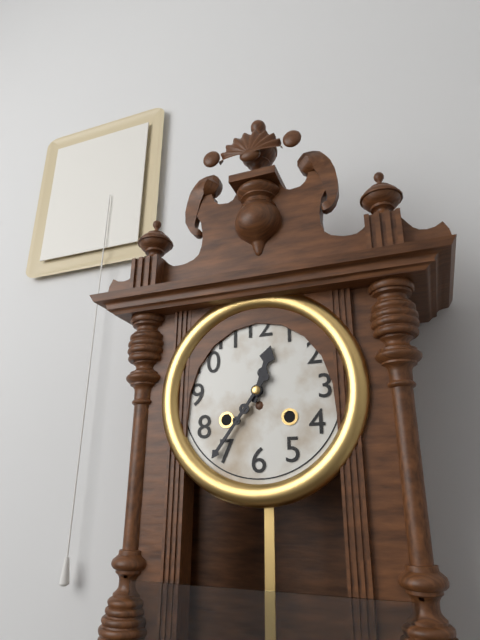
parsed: **12:36**
